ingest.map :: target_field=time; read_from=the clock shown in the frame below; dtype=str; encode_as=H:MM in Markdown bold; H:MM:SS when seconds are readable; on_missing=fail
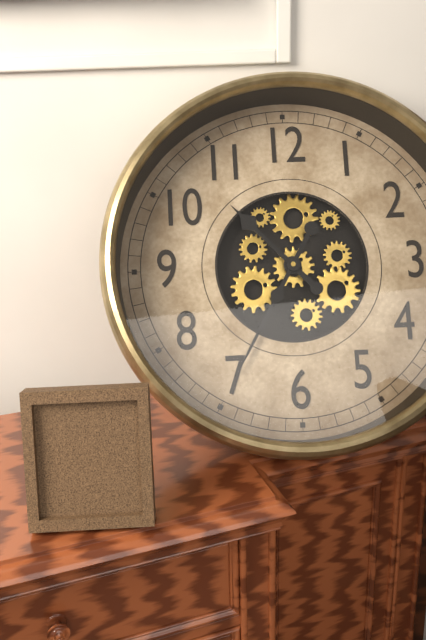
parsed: **10:35**
